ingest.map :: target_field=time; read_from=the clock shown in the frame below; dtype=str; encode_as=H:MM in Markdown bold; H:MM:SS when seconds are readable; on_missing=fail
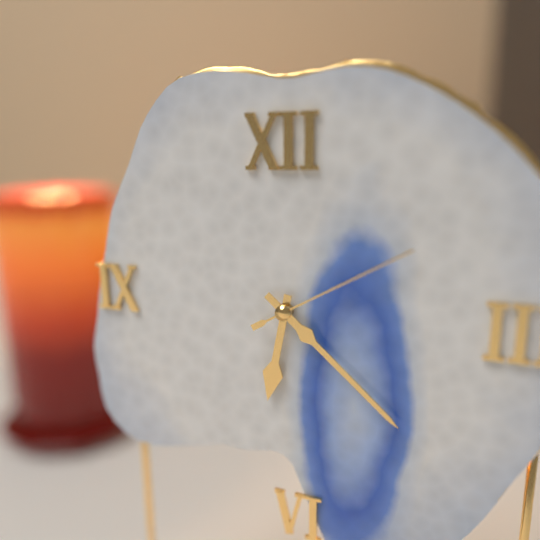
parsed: **6:22:10**
